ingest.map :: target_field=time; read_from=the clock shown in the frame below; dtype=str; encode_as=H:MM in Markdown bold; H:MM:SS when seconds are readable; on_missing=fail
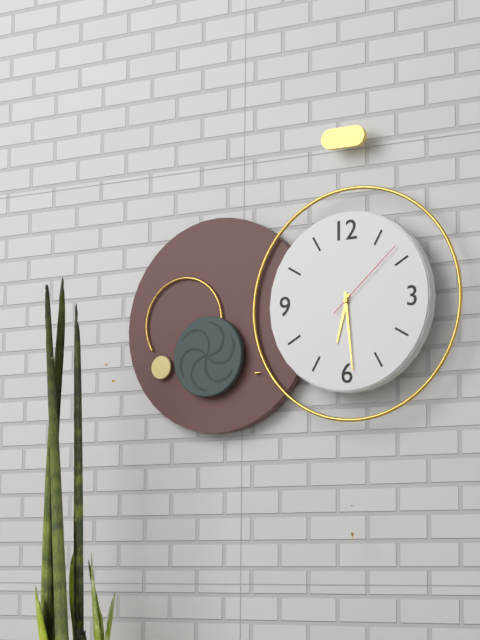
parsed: **6:29:08**
